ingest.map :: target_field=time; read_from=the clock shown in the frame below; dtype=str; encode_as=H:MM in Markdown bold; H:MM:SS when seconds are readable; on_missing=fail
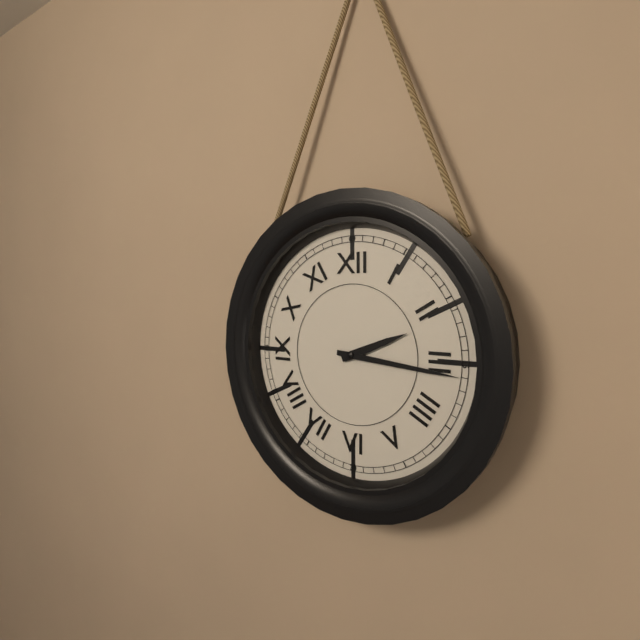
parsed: **2:16**
